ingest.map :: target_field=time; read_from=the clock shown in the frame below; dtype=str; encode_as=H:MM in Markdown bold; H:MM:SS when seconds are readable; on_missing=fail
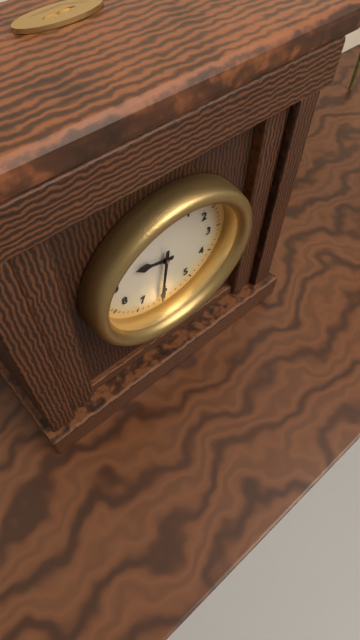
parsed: **9:31**
